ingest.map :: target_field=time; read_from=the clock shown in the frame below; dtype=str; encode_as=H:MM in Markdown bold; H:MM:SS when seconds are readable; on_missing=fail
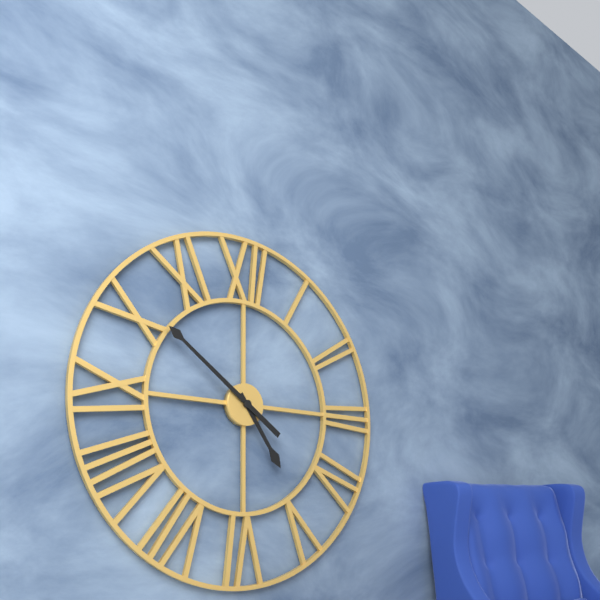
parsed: **4:51**
